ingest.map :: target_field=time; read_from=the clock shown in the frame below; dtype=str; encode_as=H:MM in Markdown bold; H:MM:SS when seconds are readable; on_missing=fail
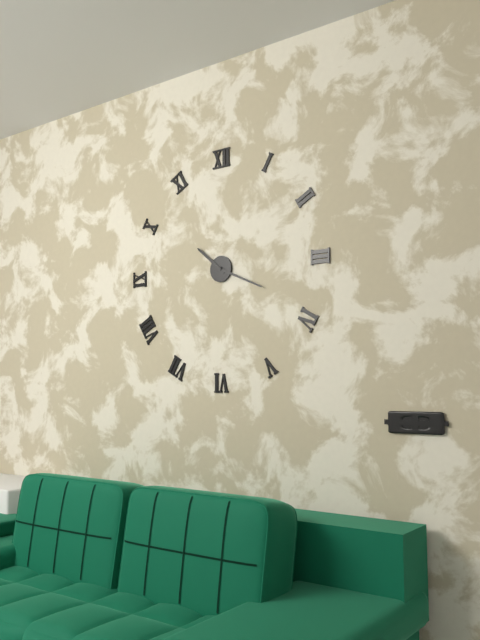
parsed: **10:19**
